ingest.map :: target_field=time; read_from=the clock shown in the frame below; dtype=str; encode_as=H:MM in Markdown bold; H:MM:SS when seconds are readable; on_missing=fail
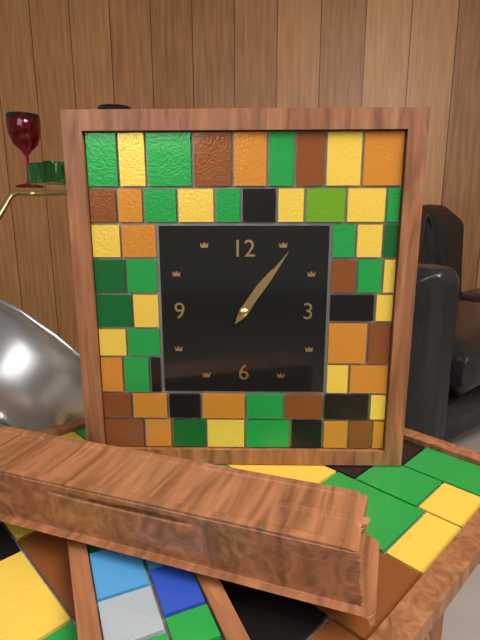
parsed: **1:06**
